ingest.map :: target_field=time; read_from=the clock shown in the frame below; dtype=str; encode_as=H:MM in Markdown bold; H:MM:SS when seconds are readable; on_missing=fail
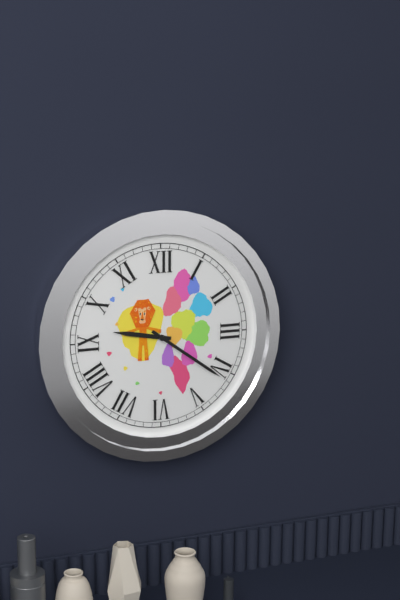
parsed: **9:21**
